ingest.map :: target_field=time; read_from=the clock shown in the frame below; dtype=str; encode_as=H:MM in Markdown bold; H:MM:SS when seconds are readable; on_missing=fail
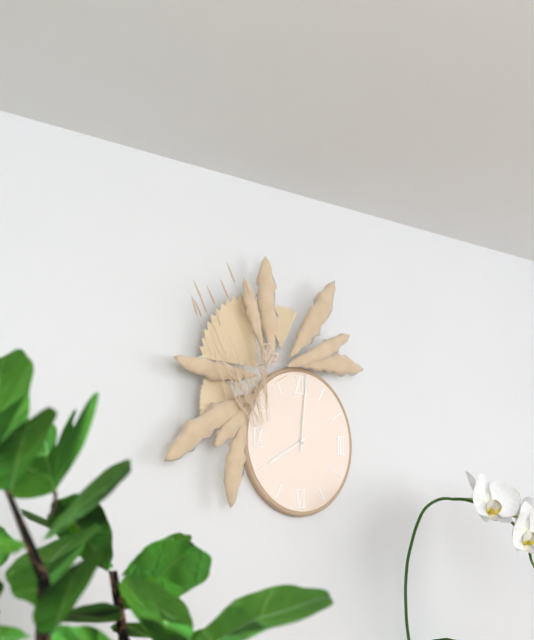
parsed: **8:01**
